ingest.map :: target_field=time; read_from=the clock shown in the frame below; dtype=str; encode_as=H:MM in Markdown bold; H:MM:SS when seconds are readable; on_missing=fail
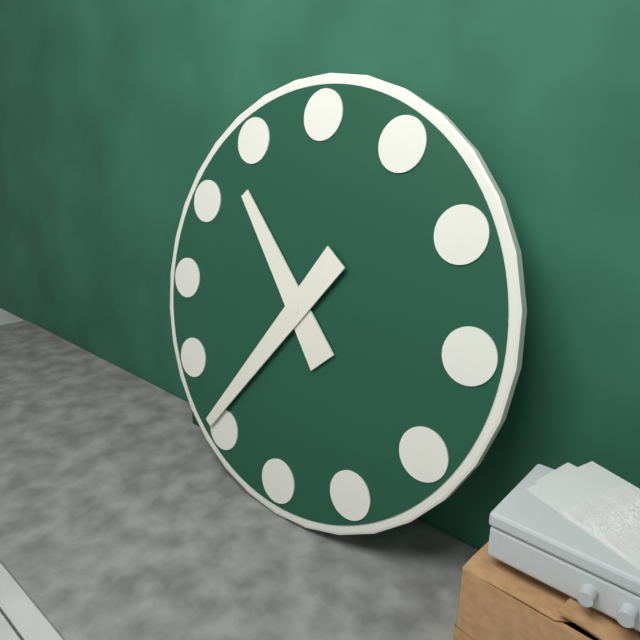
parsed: **10:36**
